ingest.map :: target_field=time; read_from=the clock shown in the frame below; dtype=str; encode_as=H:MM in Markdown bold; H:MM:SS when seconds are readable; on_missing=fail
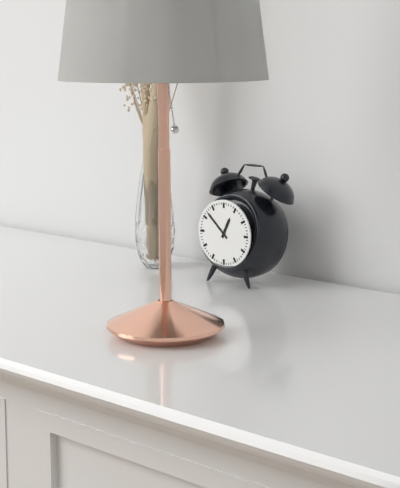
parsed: **12:52**
